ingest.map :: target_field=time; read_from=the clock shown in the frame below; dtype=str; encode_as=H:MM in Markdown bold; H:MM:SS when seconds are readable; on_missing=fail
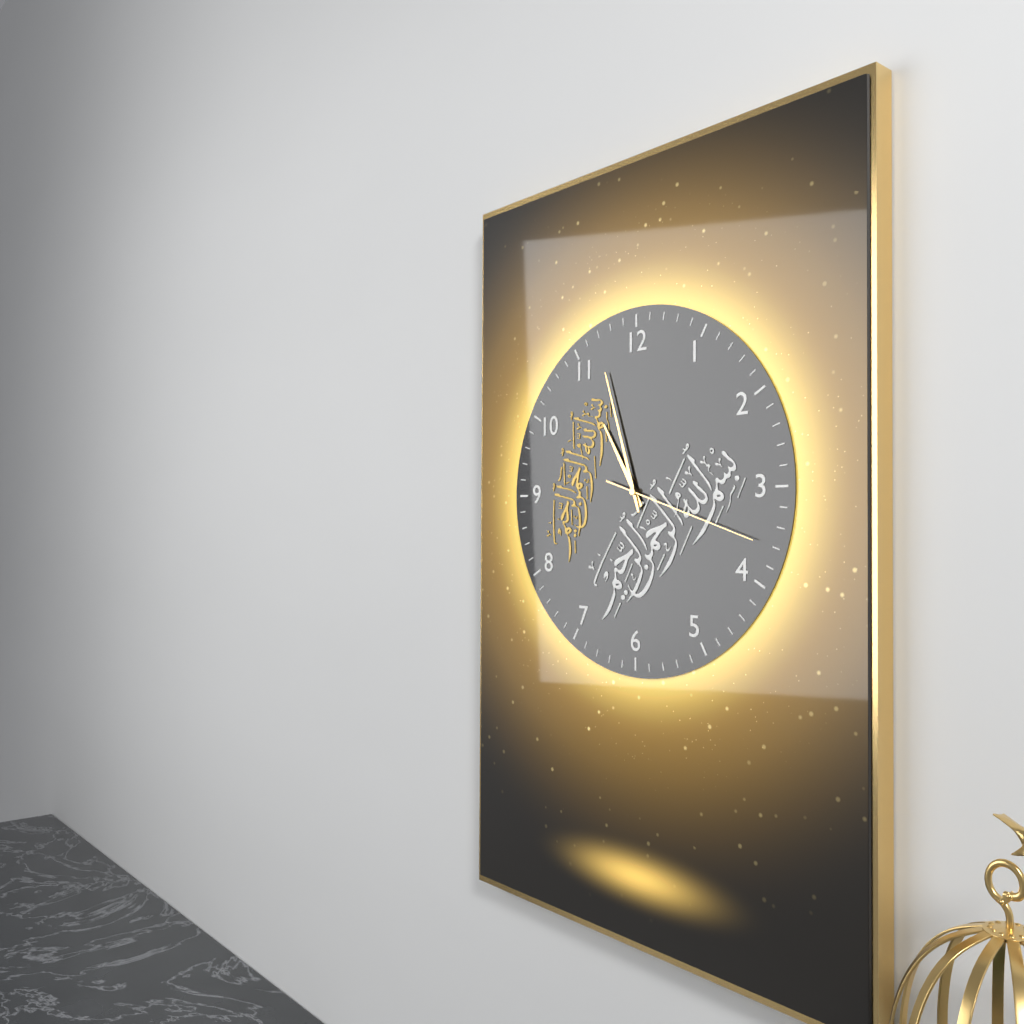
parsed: **10:57:18**
